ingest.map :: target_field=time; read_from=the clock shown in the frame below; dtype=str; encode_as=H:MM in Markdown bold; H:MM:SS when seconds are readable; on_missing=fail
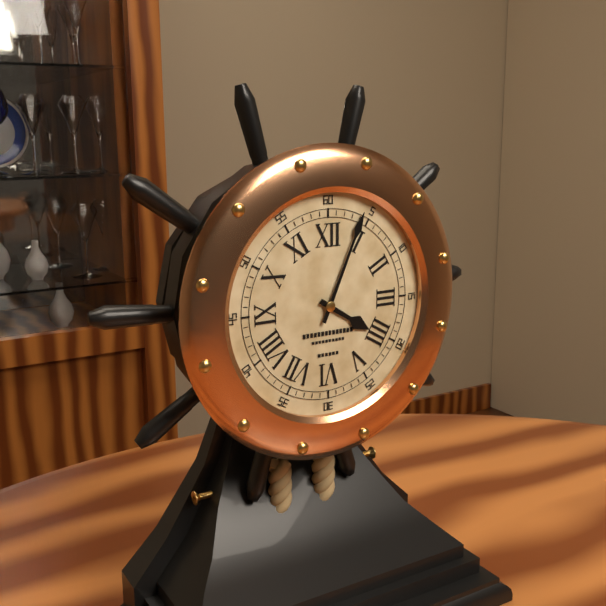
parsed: **4:04**
